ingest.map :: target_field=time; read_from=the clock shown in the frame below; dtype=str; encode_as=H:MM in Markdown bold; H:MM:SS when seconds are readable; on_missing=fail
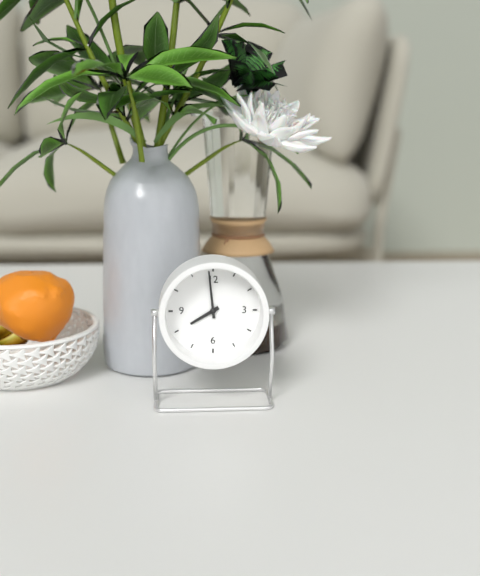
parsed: **7:59**
